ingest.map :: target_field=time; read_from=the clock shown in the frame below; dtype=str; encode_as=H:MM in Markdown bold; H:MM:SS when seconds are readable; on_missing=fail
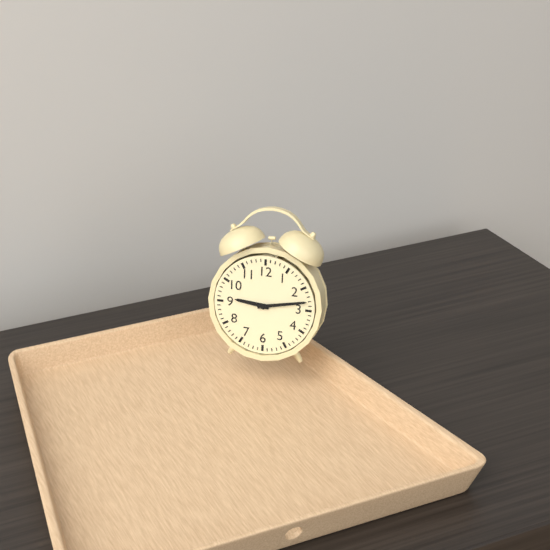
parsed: **9:13**
